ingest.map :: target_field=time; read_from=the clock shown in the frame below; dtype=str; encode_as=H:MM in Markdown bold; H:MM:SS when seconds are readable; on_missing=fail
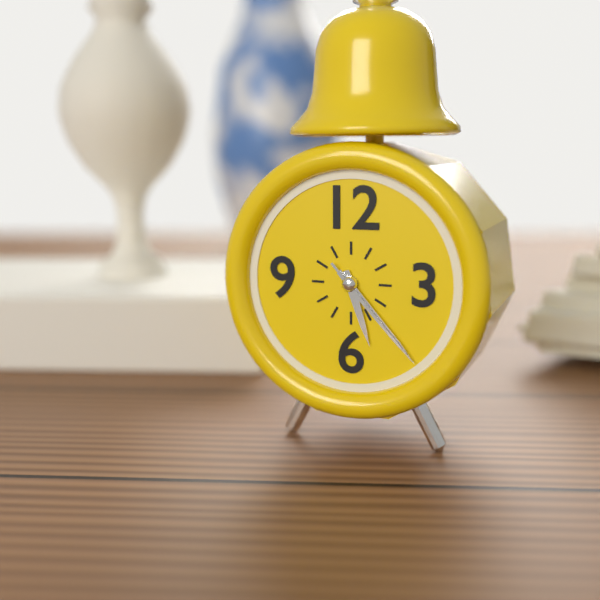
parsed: **5:23:23**
